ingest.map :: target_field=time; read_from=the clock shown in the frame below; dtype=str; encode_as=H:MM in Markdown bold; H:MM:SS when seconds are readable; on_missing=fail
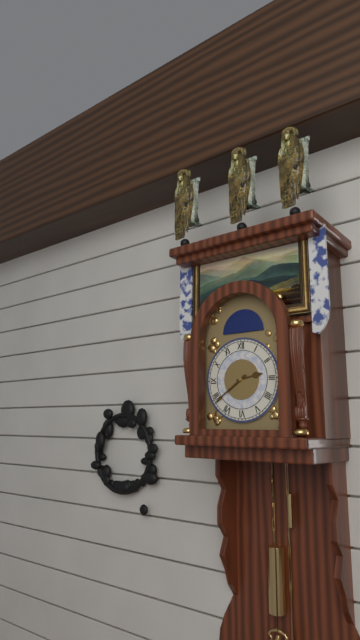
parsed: **2:39**
